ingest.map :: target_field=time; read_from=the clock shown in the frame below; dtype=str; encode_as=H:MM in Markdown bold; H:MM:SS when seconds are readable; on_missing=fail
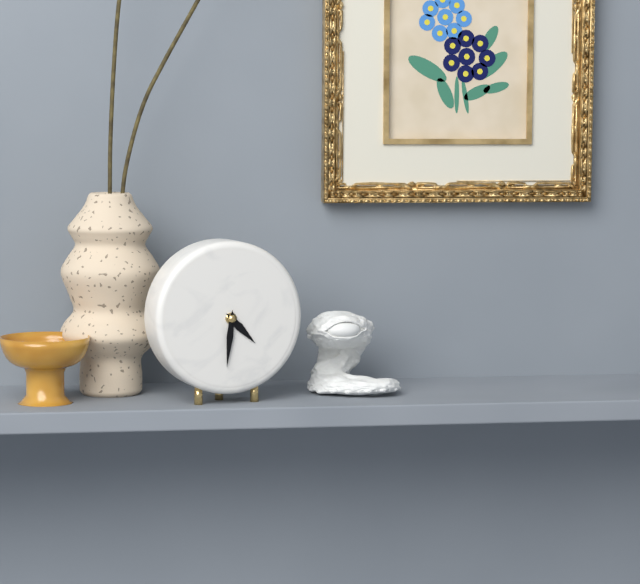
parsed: **4:31**
